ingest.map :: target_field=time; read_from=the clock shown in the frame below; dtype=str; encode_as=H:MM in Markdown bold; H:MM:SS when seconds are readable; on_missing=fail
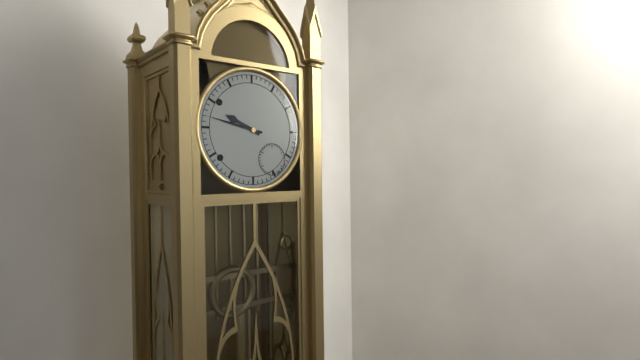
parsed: **9:47**
